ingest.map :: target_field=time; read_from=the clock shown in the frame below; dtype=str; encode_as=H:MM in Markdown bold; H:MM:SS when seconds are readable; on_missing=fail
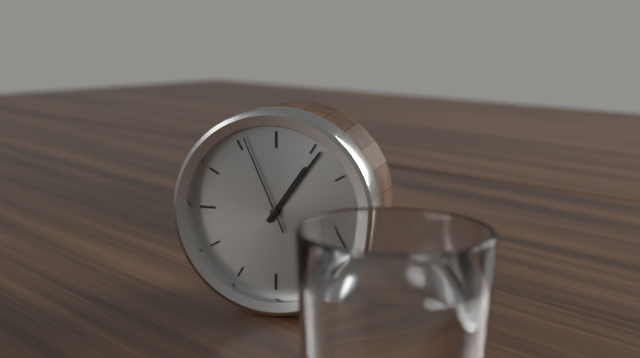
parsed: **1:06:56**
